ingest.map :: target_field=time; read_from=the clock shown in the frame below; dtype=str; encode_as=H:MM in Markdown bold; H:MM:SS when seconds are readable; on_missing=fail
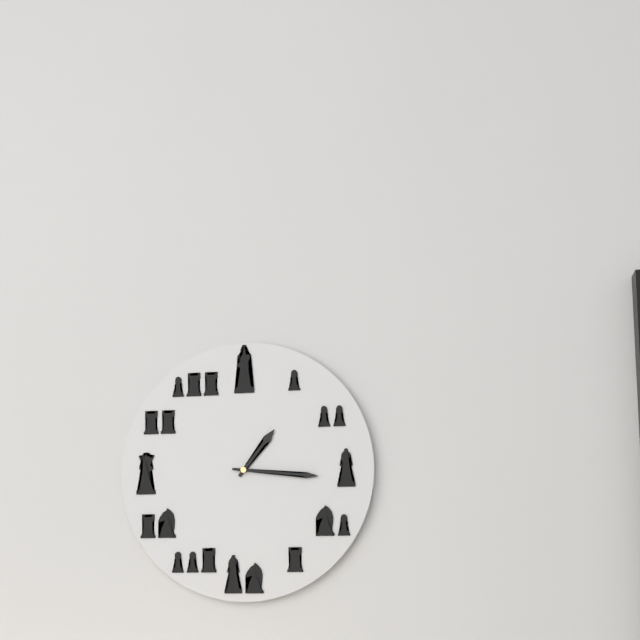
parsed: **1:16**
